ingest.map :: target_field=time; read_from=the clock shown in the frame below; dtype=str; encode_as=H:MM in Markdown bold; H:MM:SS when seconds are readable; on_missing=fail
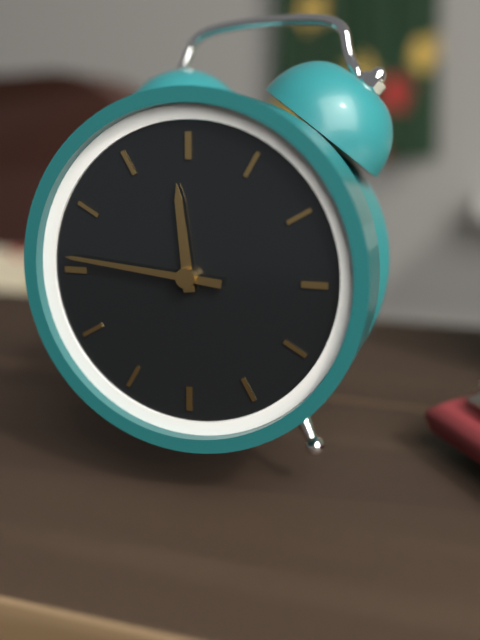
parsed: **11:46**
